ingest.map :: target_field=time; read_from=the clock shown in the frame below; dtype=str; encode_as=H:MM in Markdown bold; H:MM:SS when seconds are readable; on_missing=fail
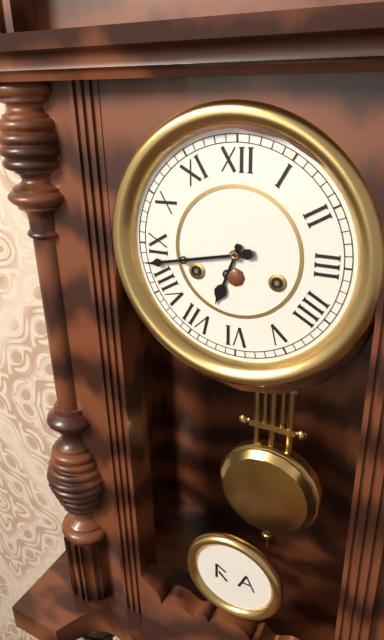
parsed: **6:43**
